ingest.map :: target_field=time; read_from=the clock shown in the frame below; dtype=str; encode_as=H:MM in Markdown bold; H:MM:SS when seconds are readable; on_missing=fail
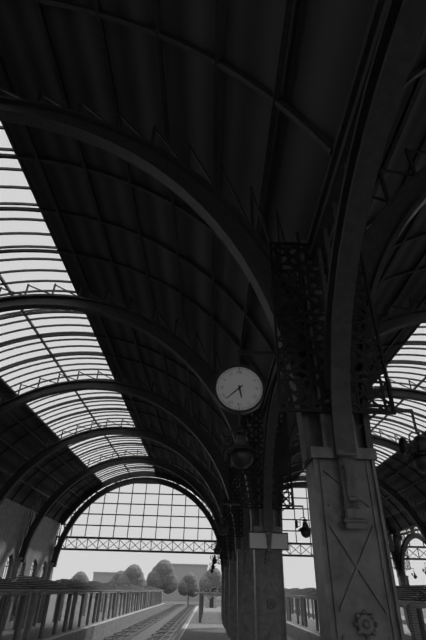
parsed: **5:38**
